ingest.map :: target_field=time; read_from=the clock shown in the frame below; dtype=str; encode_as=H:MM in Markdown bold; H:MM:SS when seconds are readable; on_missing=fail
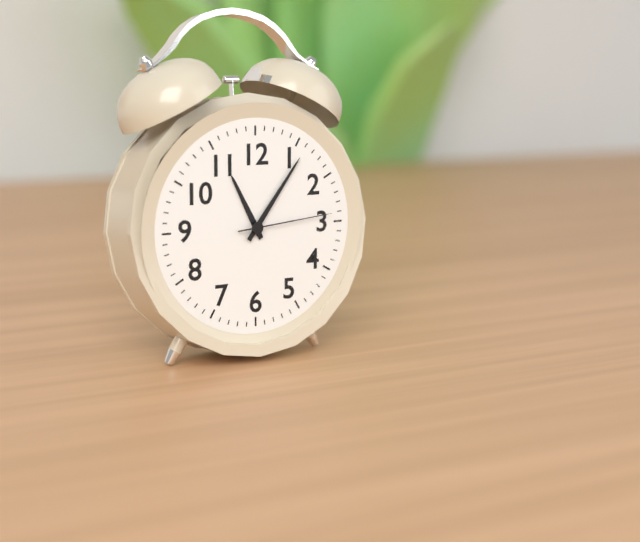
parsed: **11:06:14**
